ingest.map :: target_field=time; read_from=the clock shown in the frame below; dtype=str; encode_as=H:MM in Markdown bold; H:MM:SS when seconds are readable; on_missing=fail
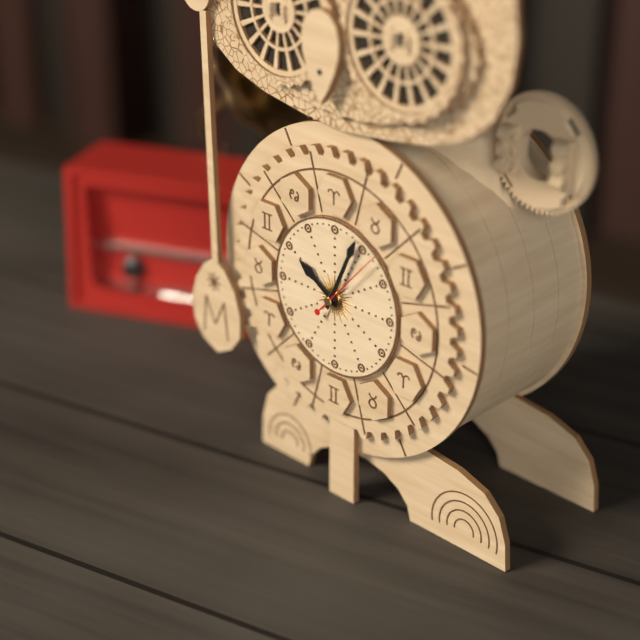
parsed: **10:04:07**
